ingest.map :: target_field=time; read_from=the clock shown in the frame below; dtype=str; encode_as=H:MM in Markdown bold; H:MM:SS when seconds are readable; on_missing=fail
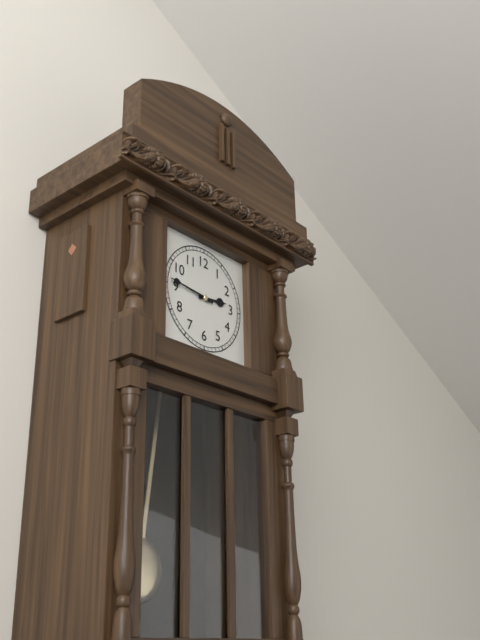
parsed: **2:46**
